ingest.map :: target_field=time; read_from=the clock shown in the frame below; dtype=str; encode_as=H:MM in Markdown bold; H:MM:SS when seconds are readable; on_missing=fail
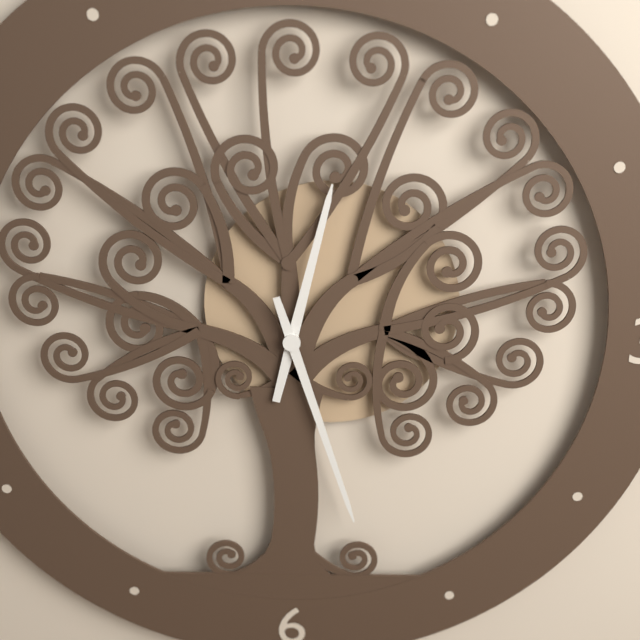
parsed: **12:27**
